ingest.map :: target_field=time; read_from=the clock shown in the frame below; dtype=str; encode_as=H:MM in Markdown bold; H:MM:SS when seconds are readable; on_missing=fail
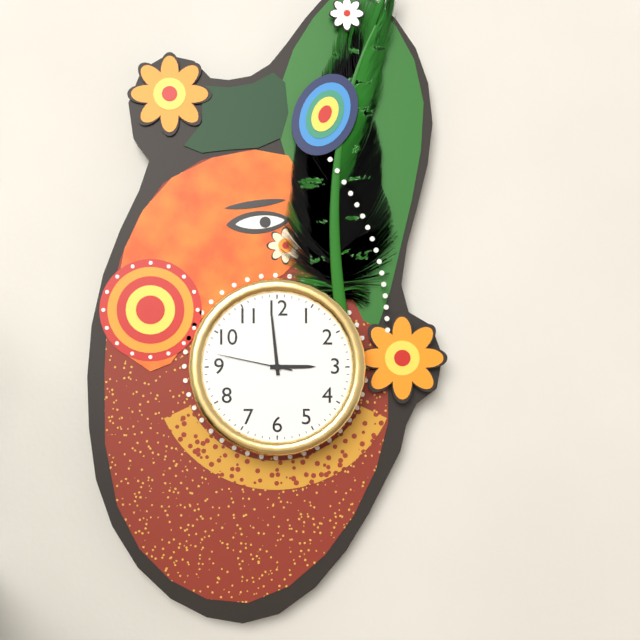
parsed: **2:59:47**
